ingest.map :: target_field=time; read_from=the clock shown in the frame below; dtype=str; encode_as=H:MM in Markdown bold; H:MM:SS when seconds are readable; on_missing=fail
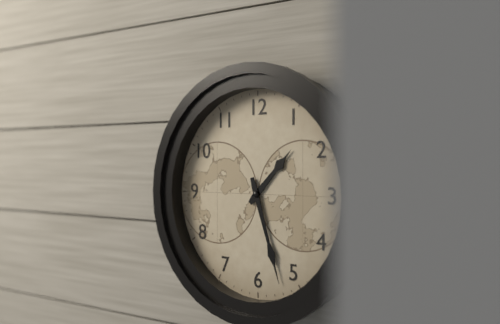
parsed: **1:27**
